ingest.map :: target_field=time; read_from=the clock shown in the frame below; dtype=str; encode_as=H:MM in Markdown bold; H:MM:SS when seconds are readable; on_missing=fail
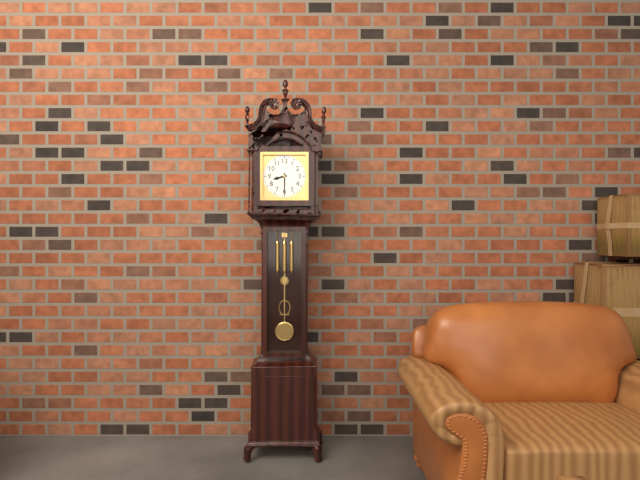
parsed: **8:30**
